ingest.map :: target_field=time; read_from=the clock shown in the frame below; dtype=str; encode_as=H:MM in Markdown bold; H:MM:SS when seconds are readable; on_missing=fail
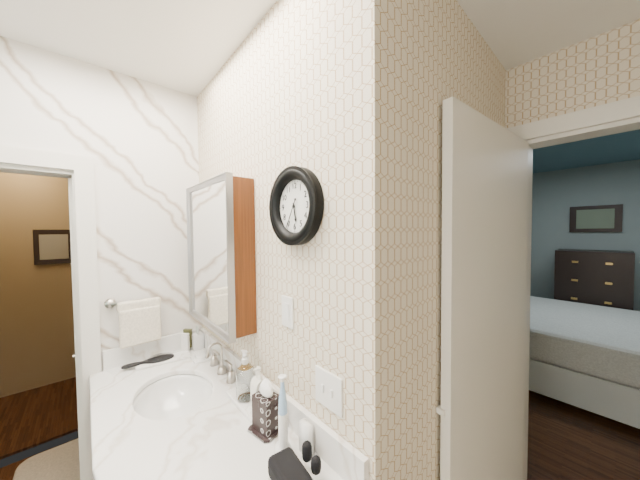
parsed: **5:35**
